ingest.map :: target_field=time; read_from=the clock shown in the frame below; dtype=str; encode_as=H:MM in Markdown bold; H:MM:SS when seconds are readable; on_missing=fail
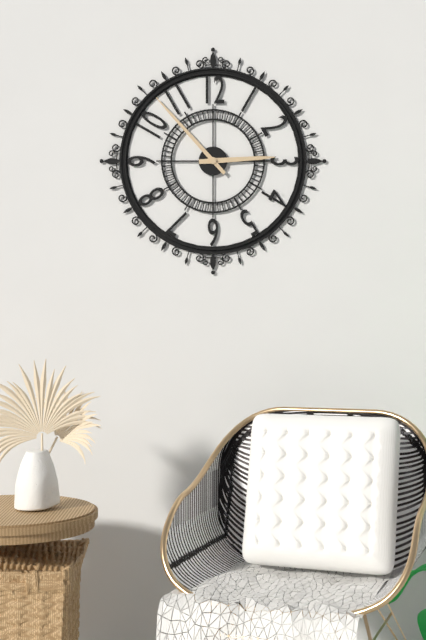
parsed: **2:53**
